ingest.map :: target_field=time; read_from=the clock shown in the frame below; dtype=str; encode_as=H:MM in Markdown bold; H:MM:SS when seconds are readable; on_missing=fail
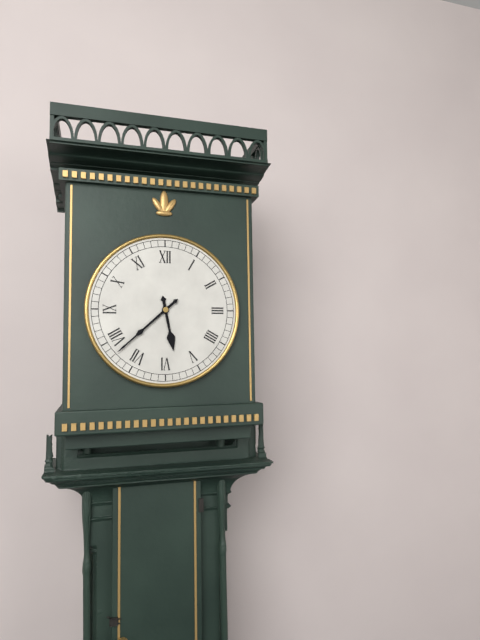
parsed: **5:38**
